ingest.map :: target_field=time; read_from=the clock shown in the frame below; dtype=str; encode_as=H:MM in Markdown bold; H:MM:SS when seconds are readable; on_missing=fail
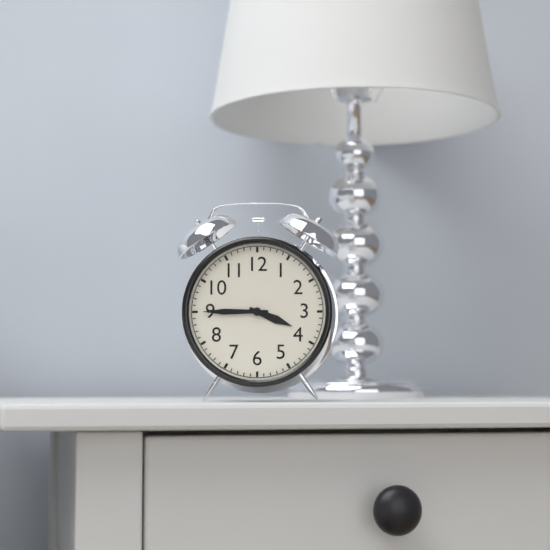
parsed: **3:45**
